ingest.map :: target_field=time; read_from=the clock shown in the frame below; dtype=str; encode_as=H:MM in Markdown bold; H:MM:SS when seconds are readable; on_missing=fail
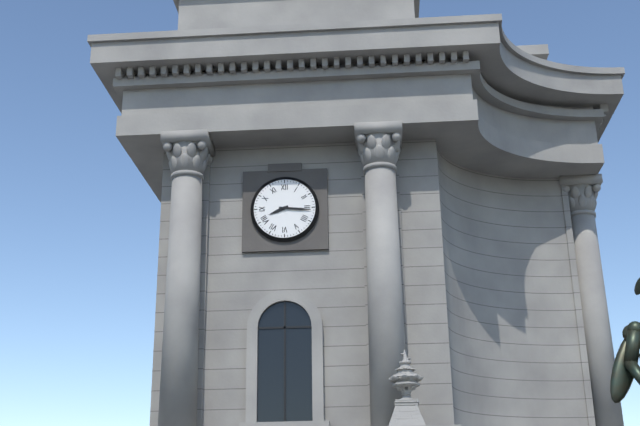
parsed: **8:16**
